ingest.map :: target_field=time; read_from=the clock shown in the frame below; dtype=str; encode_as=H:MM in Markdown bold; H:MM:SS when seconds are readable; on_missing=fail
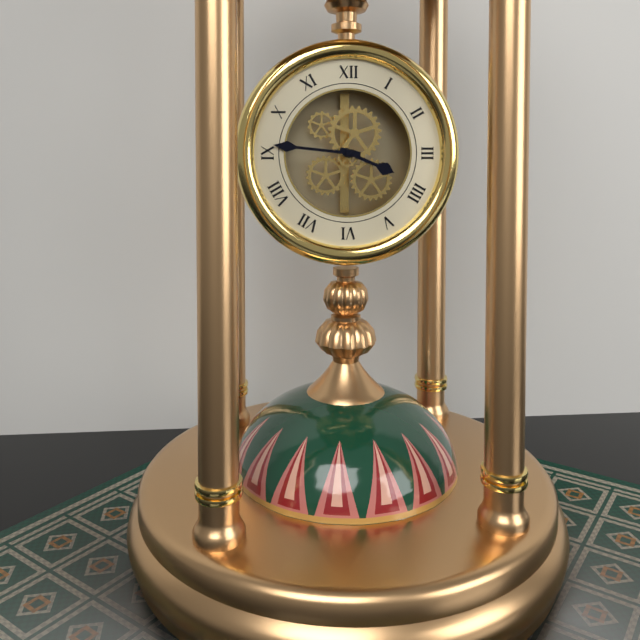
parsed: **3:46**
